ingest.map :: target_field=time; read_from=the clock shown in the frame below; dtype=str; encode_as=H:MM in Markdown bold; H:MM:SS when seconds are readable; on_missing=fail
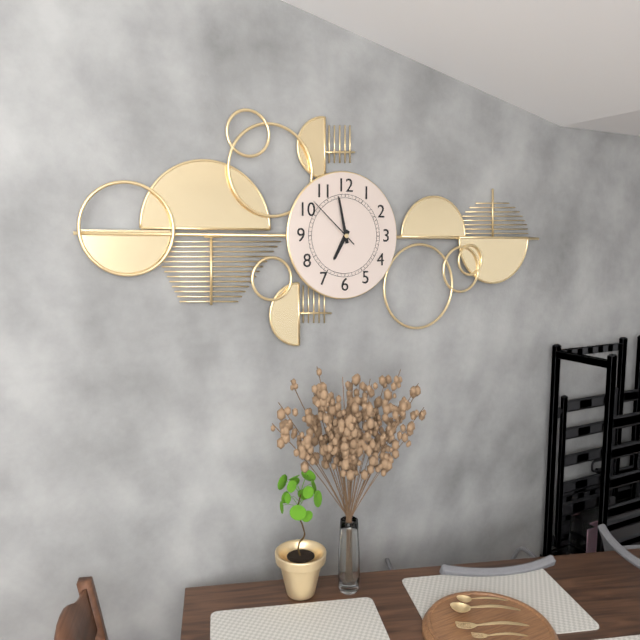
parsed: **6:58:52**
